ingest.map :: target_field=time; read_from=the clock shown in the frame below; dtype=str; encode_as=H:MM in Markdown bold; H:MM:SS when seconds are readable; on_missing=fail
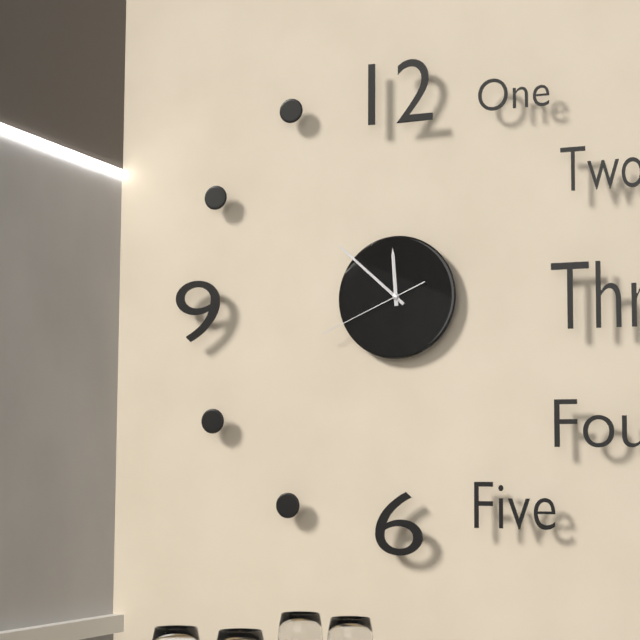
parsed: **11:52:41**
